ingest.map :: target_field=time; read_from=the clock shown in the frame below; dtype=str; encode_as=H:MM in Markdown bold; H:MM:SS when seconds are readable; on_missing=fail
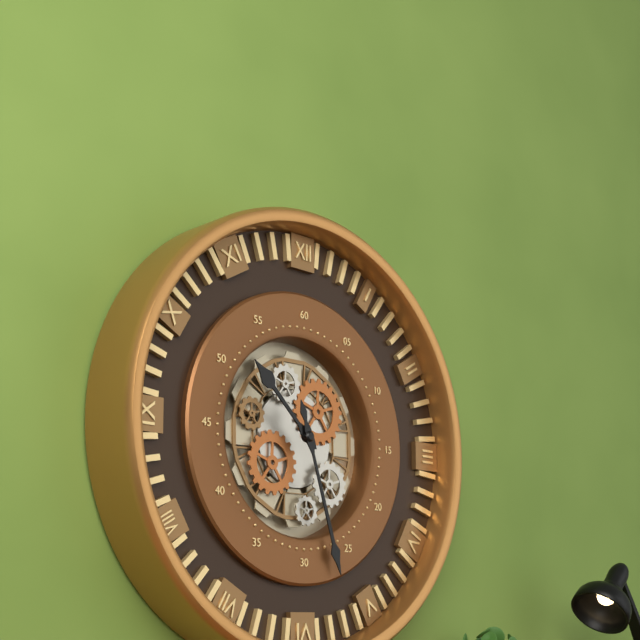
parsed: **10:27**
